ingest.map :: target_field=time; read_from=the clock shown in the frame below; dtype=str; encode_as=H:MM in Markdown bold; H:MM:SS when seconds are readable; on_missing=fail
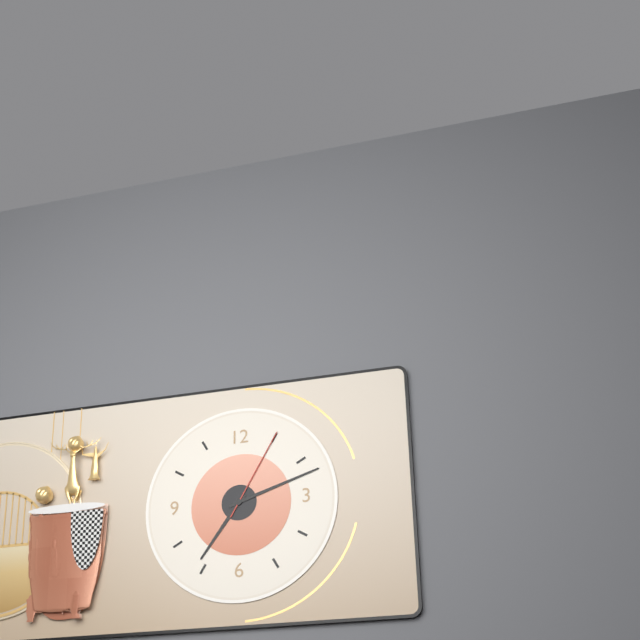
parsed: **7:12:05**
